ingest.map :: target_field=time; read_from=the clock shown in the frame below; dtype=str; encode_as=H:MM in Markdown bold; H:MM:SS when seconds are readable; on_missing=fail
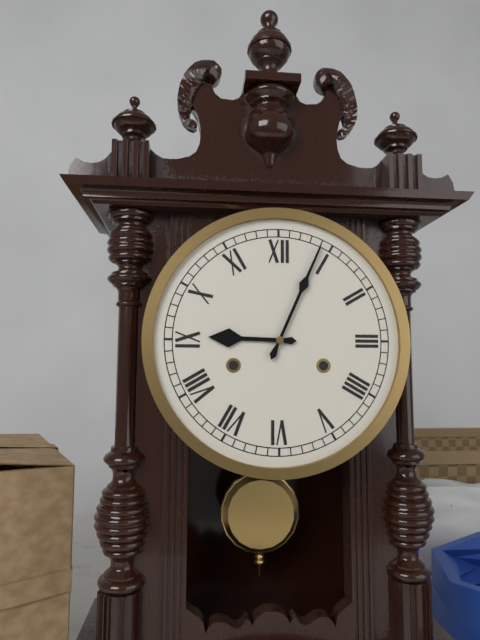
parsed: **9:04**
